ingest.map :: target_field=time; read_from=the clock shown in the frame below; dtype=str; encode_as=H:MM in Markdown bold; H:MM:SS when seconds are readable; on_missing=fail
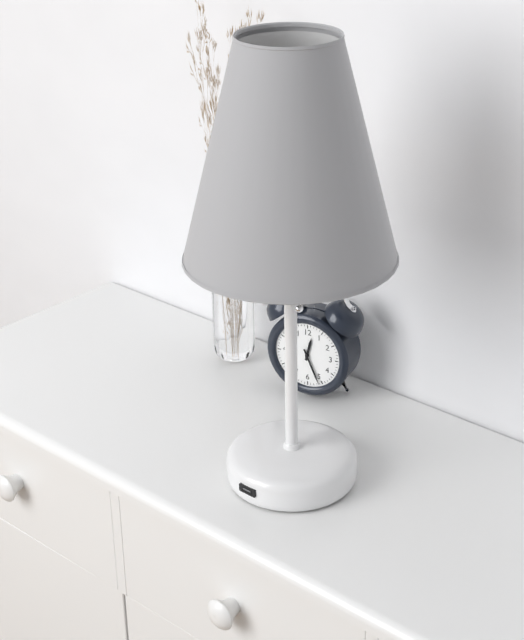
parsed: **12:26**
